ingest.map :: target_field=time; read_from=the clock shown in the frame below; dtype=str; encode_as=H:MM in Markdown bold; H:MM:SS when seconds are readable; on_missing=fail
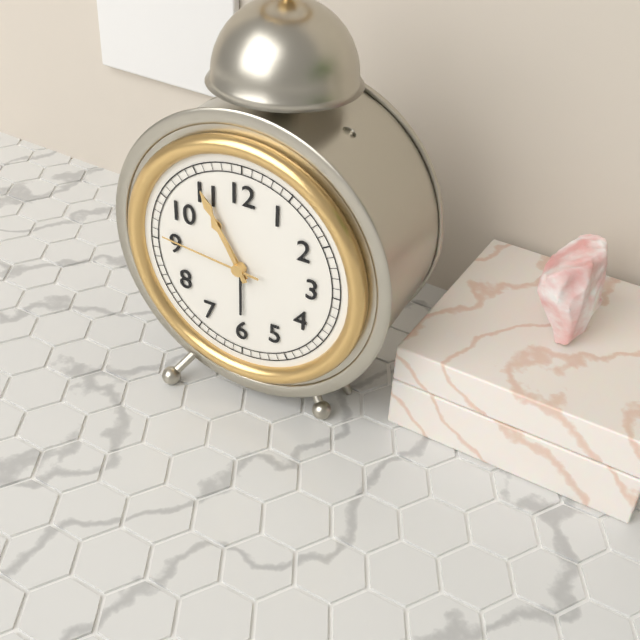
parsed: **10:55:46**
